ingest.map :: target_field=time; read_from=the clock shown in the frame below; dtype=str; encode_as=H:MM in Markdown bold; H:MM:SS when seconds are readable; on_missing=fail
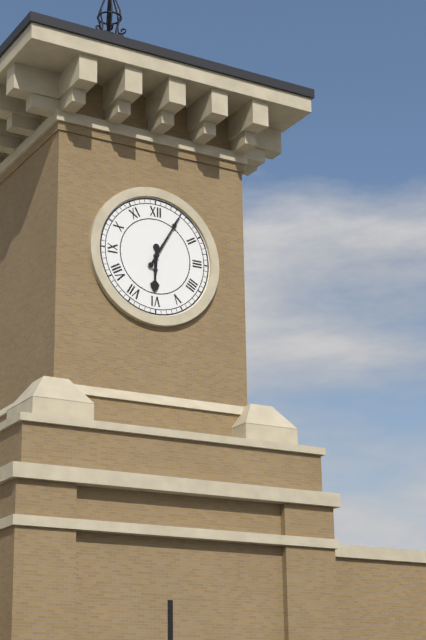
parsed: **6:05**
